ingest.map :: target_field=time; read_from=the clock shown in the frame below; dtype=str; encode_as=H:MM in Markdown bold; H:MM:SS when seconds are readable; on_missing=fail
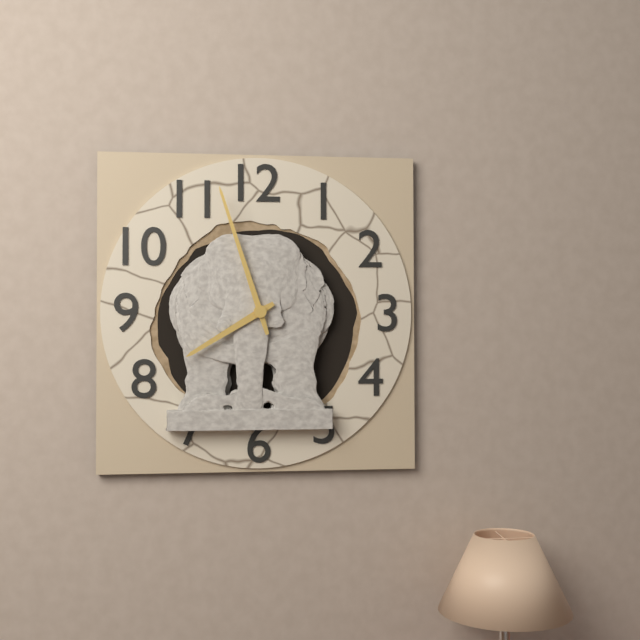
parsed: **7:57**
